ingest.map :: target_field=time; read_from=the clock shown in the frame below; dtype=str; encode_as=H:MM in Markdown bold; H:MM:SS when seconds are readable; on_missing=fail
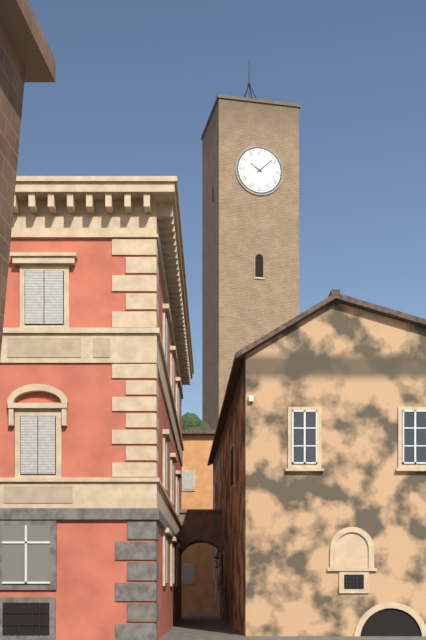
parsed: **10:08**
